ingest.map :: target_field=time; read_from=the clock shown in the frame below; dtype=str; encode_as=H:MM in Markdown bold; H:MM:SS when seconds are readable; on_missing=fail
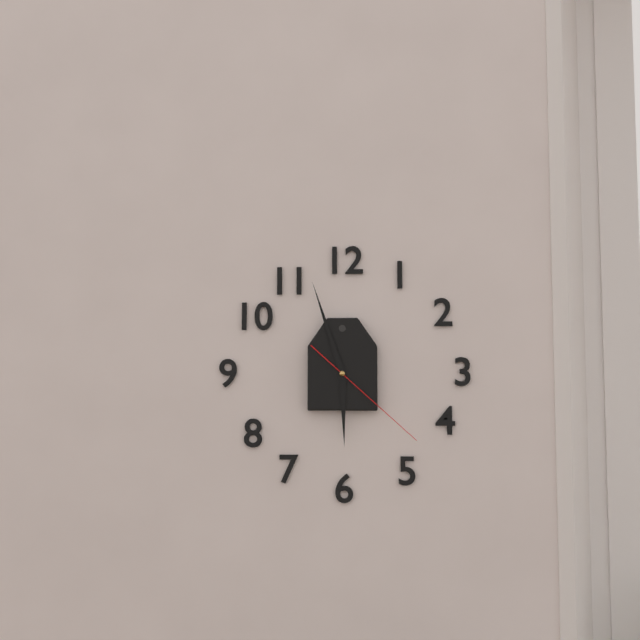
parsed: **5:57:22**
